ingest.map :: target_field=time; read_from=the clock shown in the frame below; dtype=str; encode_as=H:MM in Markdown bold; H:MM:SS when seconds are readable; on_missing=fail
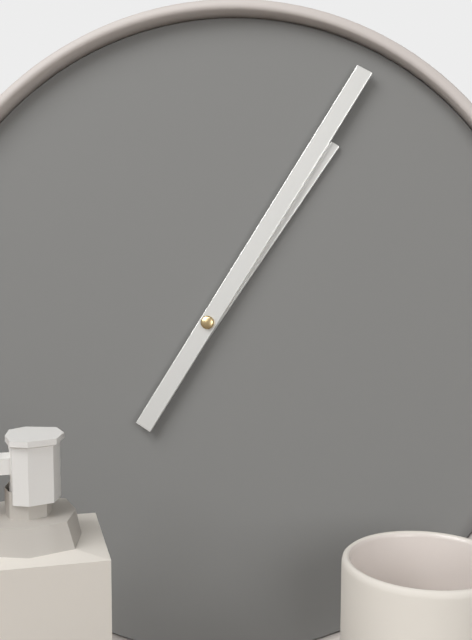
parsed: **1:05**
